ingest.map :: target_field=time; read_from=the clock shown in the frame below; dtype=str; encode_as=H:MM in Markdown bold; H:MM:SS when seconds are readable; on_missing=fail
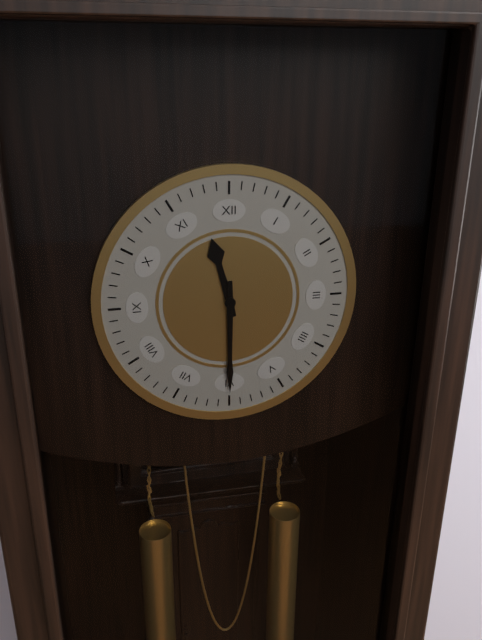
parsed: **11:30**
